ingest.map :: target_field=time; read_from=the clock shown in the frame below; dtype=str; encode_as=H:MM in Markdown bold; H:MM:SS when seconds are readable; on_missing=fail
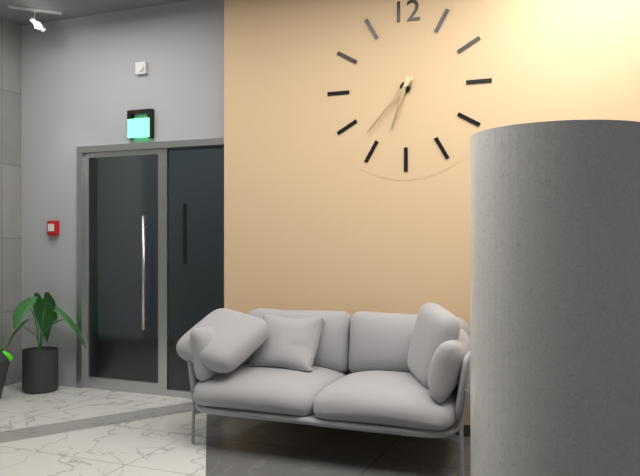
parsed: **6:37**
